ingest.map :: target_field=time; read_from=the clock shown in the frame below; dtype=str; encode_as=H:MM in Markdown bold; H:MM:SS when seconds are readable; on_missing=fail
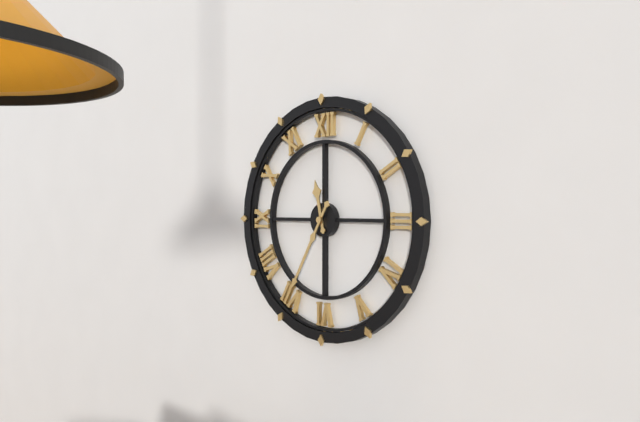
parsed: **11:35**
